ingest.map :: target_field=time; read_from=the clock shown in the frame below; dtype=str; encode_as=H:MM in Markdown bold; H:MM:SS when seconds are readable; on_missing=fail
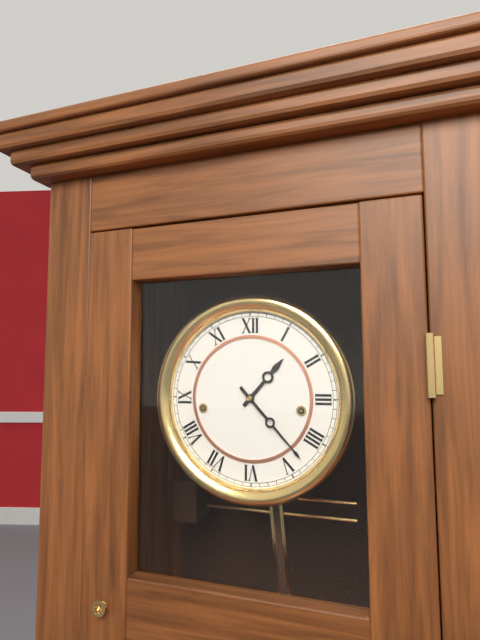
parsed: **1:23**
